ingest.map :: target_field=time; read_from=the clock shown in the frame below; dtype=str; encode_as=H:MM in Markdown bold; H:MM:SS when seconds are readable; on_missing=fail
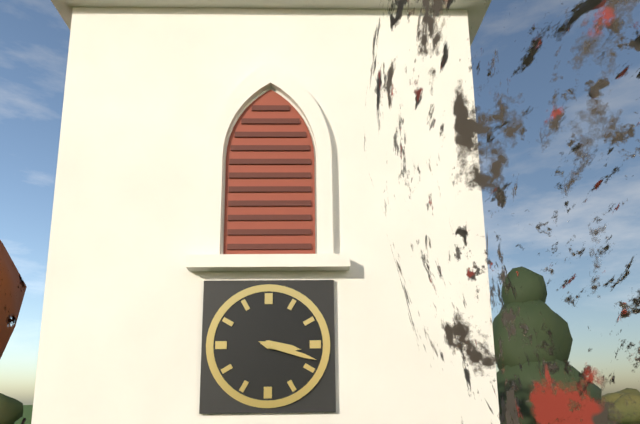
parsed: **3:18**
